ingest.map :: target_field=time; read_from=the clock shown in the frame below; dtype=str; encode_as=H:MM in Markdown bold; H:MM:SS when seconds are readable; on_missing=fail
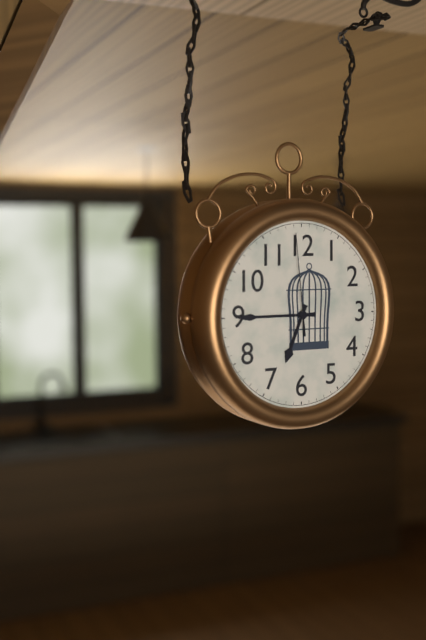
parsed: **6:45:59**
